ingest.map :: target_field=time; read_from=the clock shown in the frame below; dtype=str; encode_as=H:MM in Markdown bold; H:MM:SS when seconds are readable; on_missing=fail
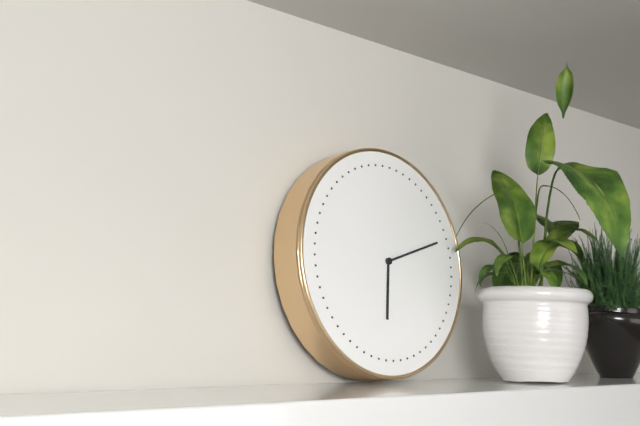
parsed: **6:12**
